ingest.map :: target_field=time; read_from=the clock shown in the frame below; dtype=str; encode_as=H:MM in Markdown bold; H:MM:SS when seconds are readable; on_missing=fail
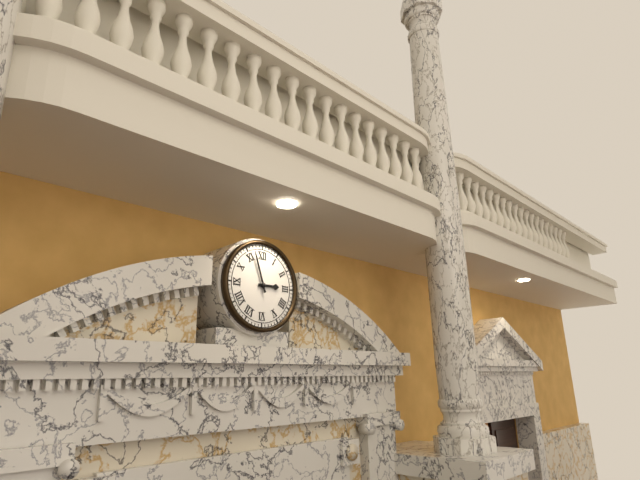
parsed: **2:57**
